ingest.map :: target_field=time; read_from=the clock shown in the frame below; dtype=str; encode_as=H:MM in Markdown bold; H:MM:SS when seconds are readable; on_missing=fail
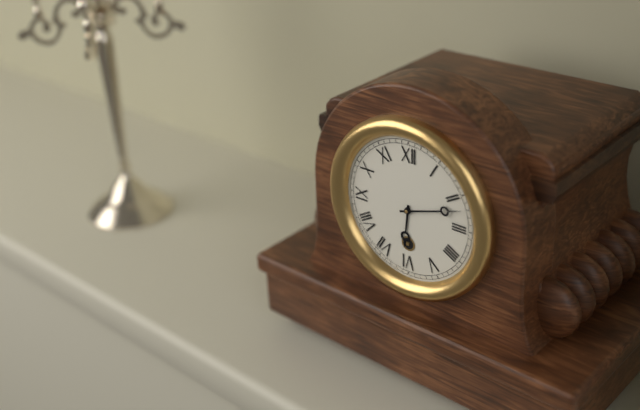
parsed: **6:12**
